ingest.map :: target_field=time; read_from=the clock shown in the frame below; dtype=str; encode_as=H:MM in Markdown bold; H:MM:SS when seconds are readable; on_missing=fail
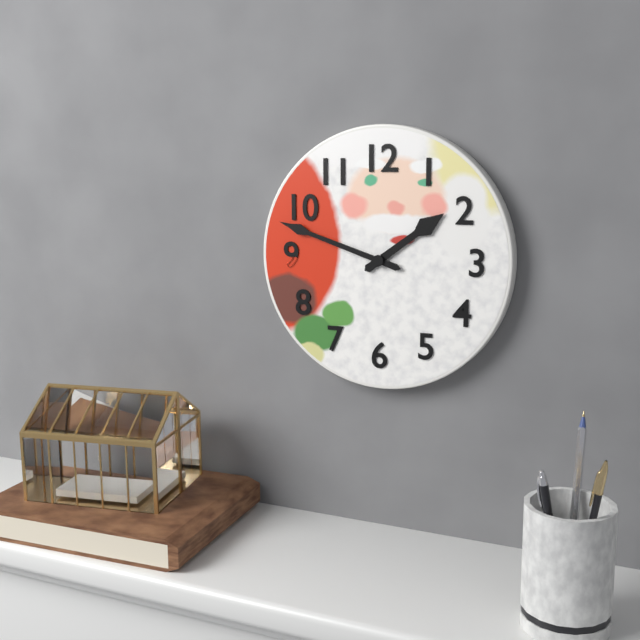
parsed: **1:48**
